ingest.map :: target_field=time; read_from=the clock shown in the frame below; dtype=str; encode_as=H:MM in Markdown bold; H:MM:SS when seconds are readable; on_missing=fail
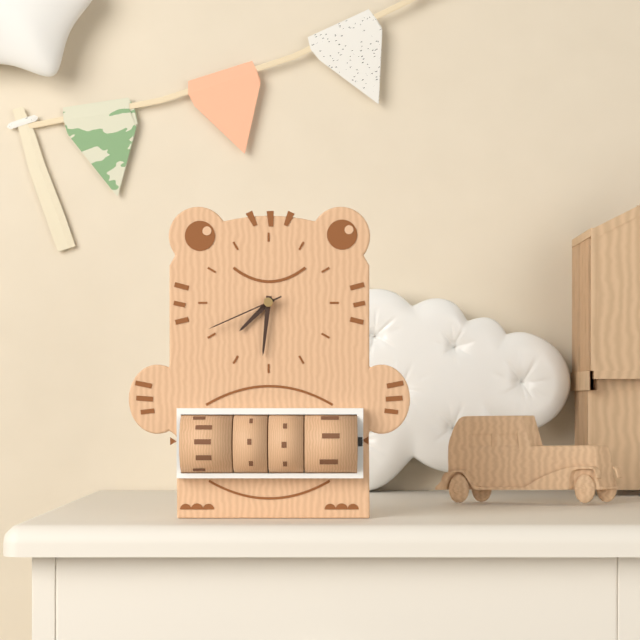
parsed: **7:31:41**
